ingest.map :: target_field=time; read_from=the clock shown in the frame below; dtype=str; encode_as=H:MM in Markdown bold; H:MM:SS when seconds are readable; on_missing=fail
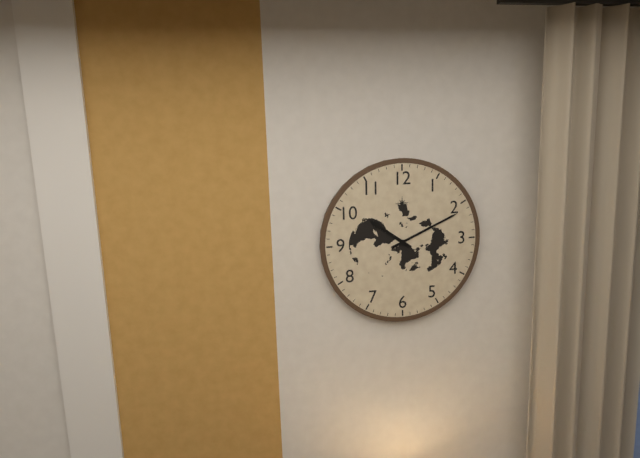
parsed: **10:11**
